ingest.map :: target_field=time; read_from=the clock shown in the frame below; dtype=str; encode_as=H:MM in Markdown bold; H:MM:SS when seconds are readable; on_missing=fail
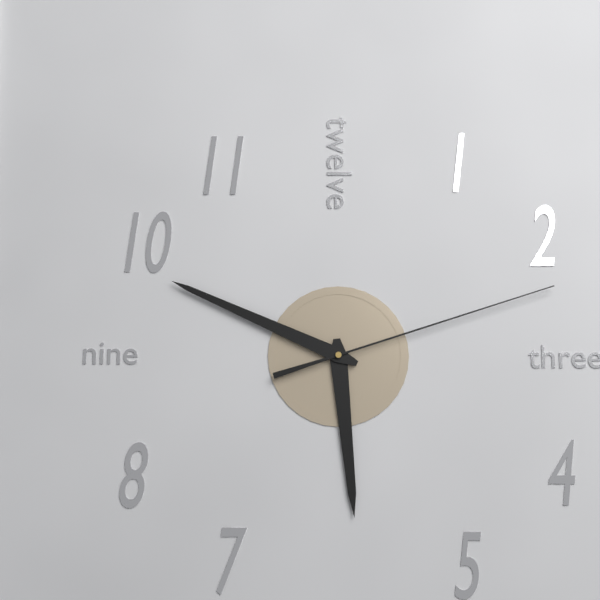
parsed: **5:49:12**
